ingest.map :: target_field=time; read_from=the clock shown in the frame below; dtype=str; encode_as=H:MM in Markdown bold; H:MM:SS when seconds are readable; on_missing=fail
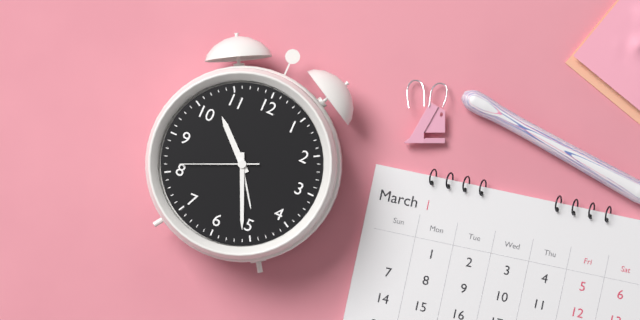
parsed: **10:26:41**
